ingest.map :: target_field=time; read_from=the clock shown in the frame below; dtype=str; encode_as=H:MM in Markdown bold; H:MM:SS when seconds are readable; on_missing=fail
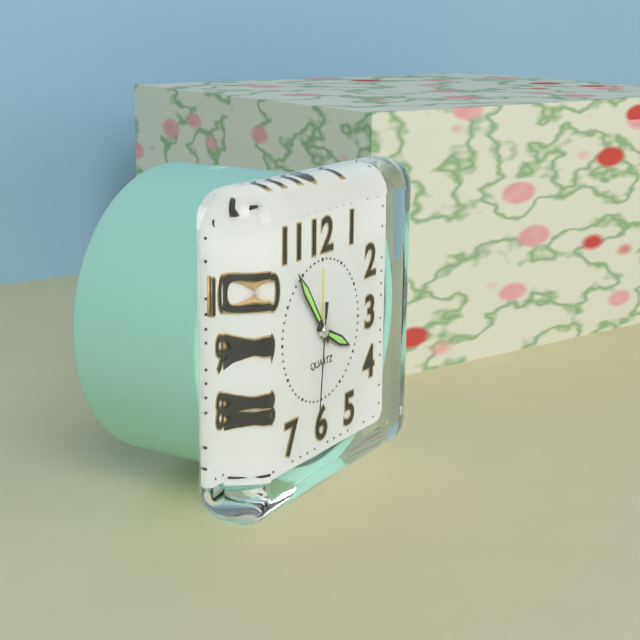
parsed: **3:54:31**
